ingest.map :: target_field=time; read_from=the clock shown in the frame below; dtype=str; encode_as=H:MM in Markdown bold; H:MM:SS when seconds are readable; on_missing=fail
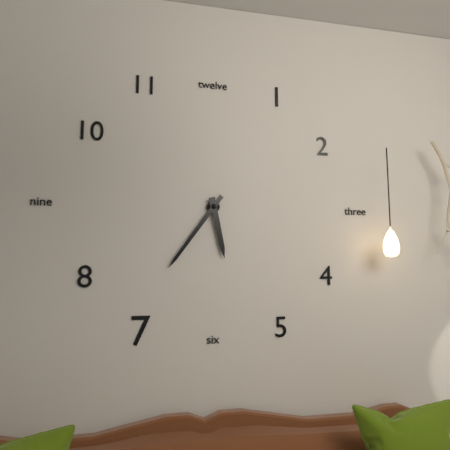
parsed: **5:36**
